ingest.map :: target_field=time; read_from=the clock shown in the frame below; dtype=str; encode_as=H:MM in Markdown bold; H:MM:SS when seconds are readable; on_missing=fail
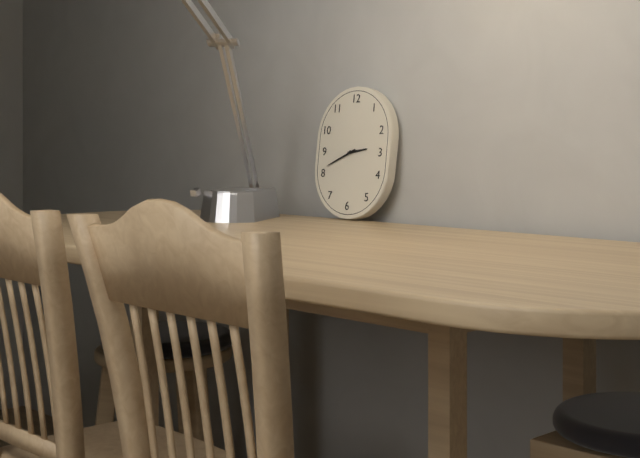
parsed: **2:41**
